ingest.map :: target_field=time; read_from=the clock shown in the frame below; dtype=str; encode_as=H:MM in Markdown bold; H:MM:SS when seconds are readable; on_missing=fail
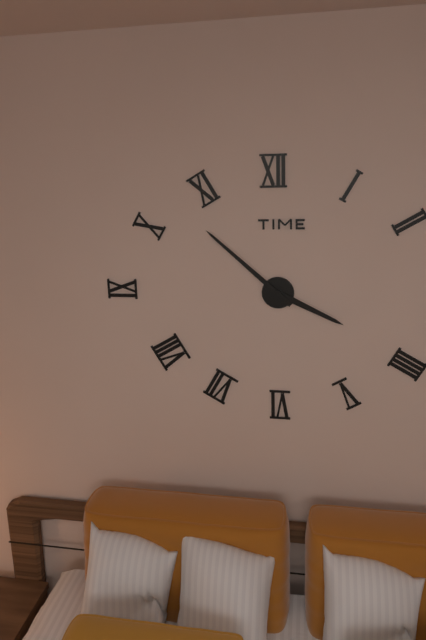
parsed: **3:52**
